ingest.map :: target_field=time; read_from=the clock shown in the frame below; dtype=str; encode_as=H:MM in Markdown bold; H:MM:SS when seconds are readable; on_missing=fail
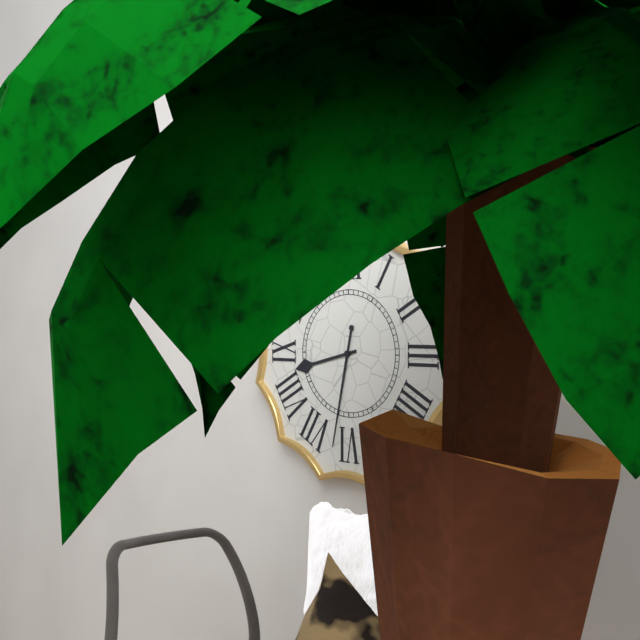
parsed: **8:32**
